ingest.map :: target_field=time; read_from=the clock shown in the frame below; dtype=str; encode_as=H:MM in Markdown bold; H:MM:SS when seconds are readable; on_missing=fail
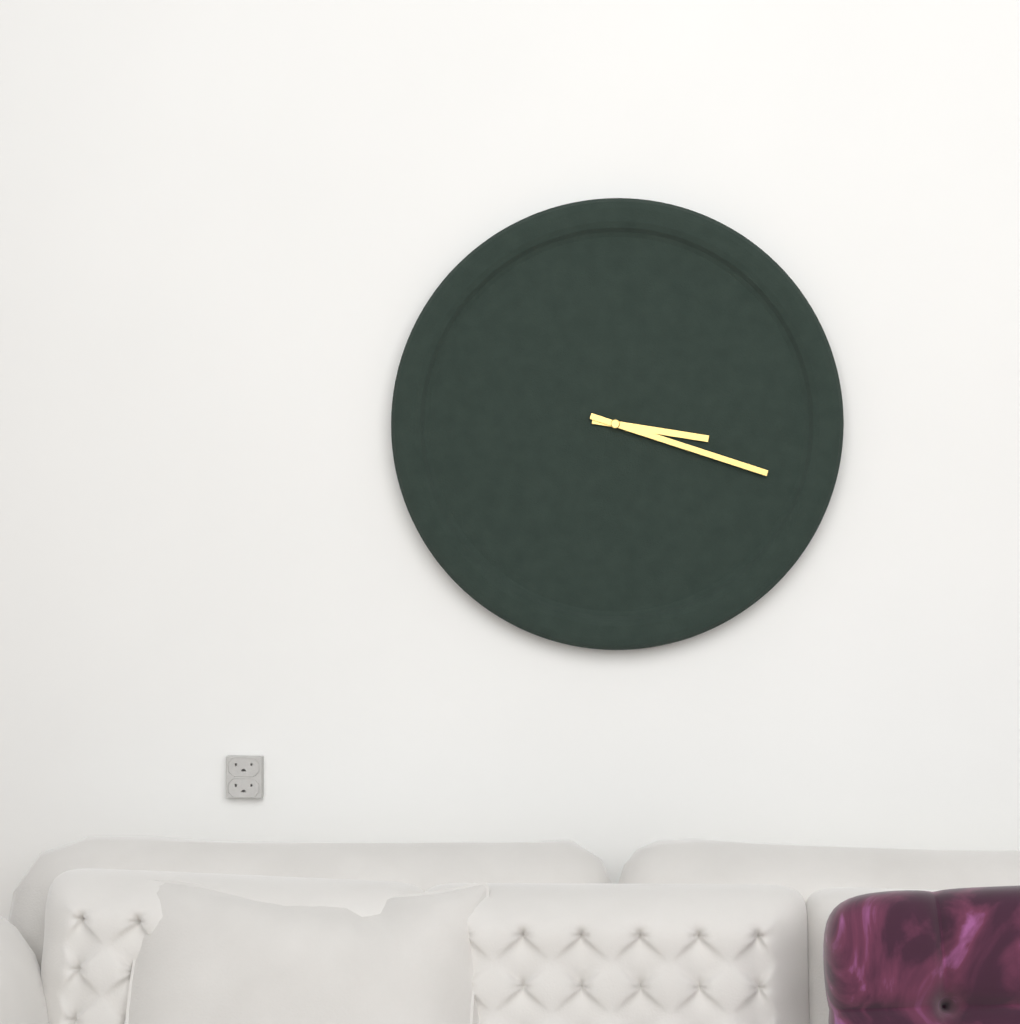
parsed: **3:18**
